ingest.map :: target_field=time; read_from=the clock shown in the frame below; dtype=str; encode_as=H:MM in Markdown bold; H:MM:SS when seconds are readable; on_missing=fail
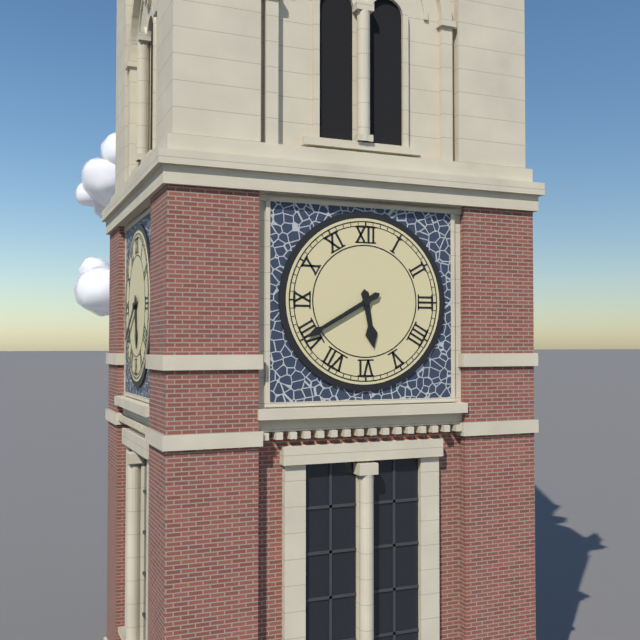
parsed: **5:40**
